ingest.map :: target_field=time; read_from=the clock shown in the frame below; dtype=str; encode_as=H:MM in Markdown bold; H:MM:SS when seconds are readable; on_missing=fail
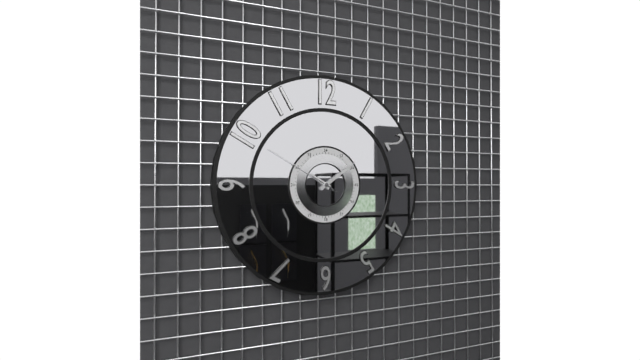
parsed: **10:09:50**
